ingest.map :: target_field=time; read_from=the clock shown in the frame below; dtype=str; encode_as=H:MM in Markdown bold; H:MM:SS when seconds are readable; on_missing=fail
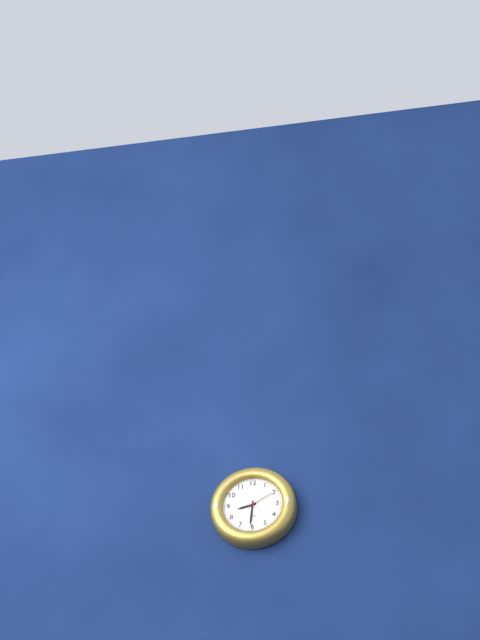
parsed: **8:31**
